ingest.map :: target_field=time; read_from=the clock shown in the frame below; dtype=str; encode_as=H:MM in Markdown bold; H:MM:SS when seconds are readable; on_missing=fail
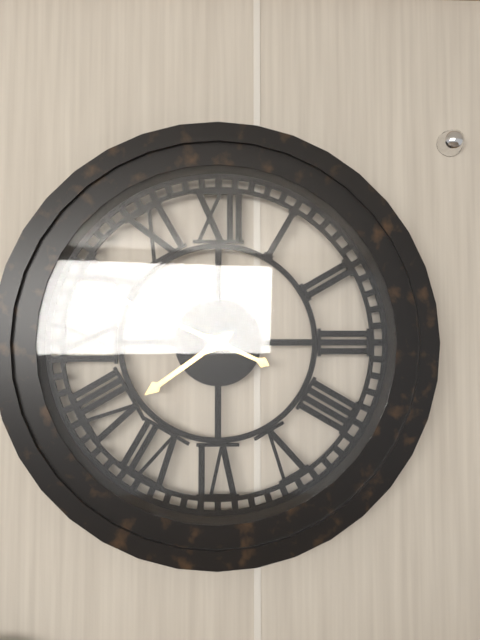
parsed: **7:49**
